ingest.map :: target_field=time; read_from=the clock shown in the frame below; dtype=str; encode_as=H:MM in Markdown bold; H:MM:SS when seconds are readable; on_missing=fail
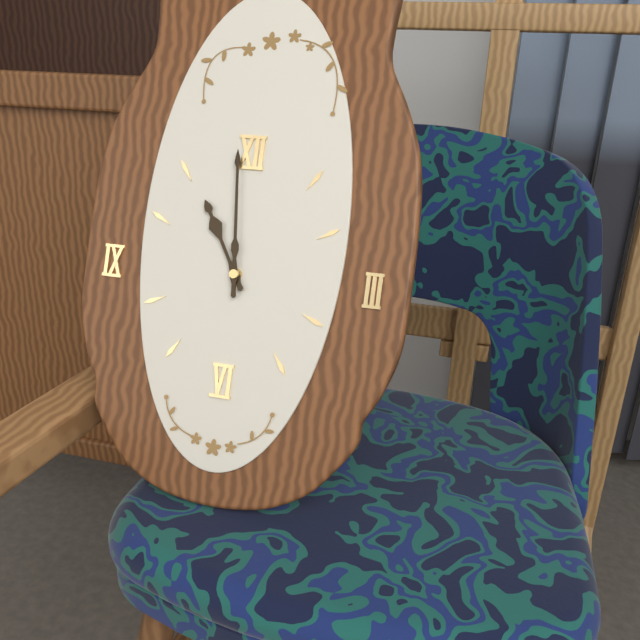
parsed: **10:59**
